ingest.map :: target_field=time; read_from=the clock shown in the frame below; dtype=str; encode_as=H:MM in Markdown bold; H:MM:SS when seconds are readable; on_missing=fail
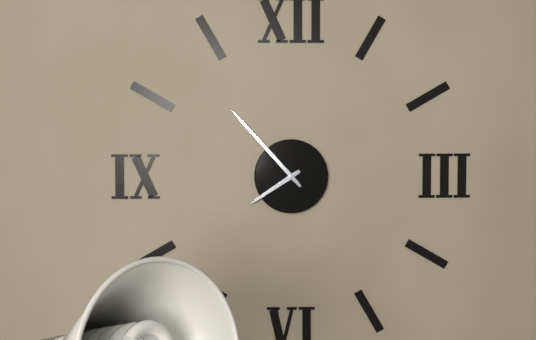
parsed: **7:53**
